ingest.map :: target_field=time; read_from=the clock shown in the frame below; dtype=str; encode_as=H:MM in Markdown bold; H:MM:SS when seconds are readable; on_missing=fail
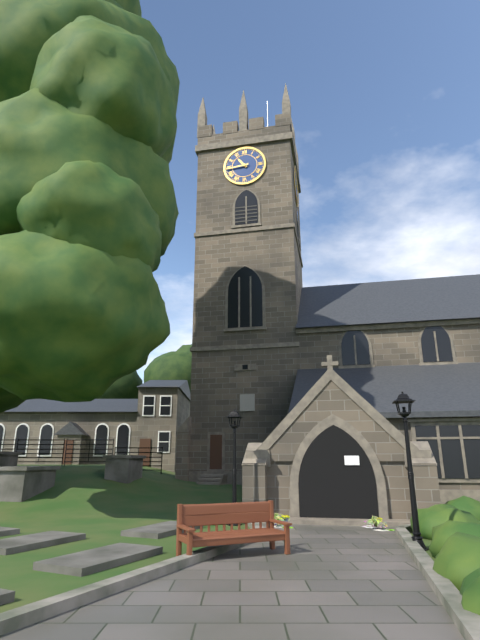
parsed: **10:44**
